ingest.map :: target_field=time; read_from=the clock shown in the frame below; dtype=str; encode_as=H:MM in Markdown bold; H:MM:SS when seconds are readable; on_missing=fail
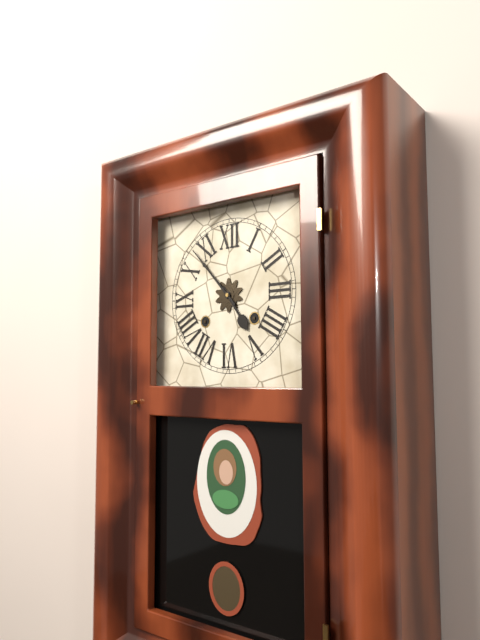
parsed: **4:53**
